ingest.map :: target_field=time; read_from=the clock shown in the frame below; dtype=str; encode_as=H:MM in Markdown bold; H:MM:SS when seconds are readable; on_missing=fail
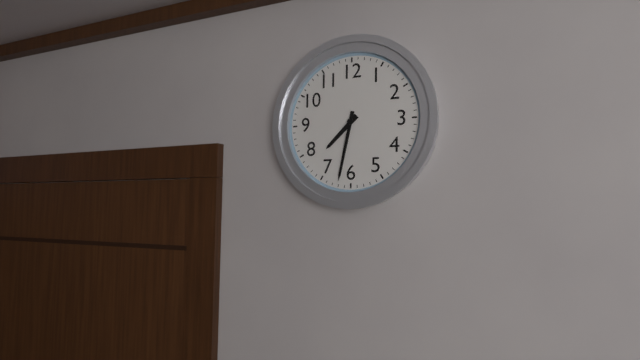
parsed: **7:32**
